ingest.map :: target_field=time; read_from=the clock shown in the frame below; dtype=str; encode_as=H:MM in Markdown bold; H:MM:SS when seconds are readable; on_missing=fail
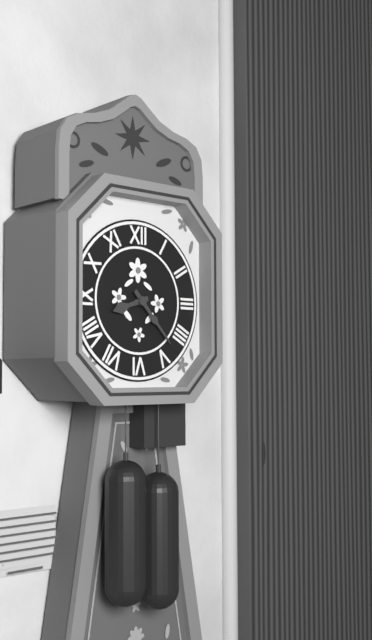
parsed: **8:23**
